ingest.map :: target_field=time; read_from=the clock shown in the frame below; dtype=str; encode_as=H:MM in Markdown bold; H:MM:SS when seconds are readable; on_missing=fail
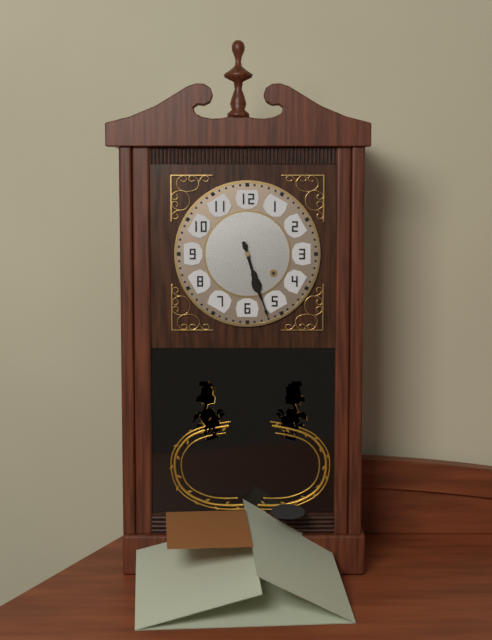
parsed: **5:27**
